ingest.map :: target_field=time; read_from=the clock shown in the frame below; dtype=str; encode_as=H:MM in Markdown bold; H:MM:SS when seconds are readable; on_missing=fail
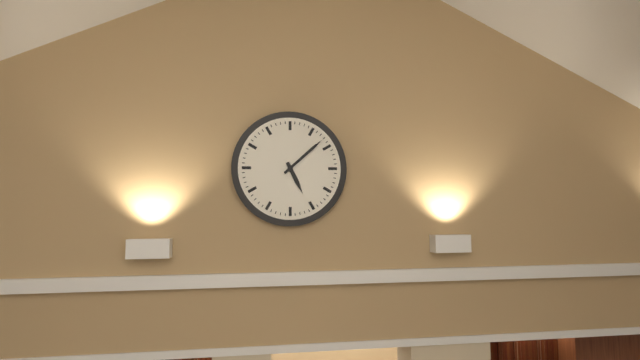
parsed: **5:08**
